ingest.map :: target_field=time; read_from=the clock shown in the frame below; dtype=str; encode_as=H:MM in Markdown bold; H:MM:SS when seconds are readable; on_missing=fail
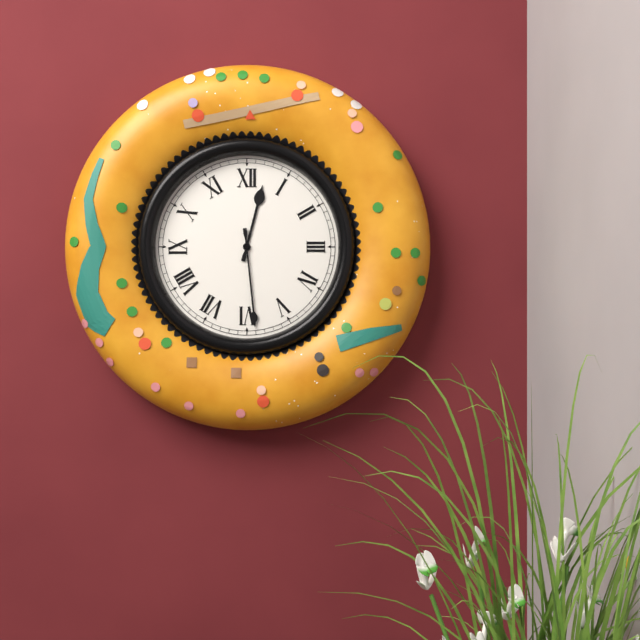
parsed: **12:29**
